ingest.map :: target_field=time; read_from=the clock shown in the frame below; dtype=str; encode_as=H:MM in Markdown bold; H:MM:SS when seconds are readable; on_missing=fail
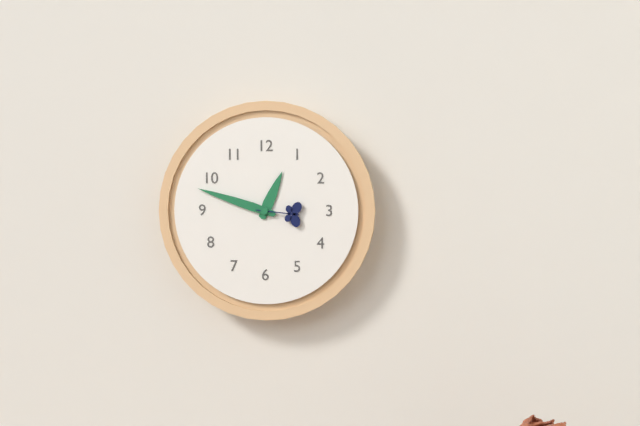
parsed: **12:48**
